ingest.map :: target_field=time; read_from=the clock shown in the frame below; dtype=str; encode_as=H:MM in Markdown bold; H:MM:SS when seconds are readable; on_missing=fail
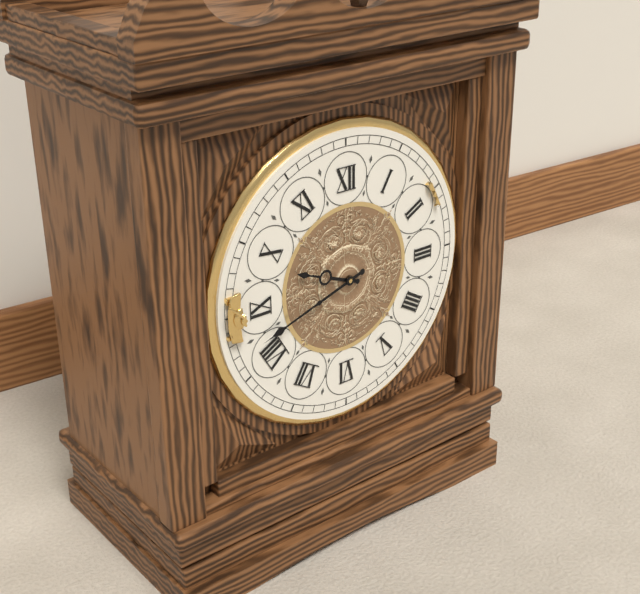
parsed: **9:42**
